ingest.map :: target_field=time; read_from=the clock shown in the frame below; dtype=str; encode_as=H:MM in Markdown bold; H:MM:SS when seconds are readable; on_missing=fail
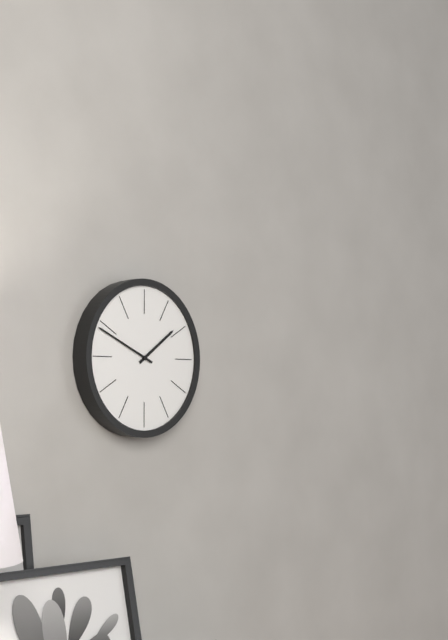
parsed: **1:49**
